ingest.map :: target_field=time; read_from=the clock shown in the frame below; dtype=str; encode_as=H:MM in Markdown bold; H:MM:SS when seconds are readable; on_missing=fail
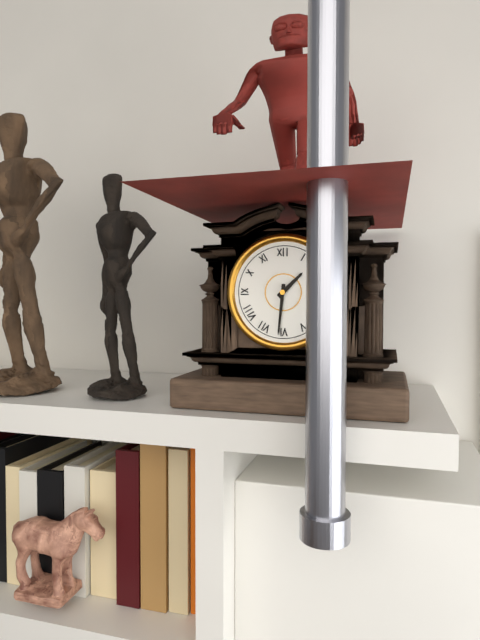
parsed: **1:31**
